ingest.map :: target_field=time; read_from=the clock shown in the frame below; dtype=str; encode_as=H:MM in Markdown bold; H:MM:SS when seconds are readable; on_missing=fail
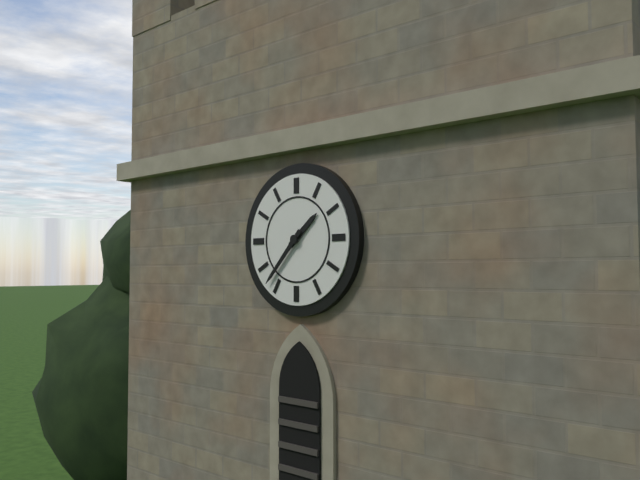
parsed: **1:37**
